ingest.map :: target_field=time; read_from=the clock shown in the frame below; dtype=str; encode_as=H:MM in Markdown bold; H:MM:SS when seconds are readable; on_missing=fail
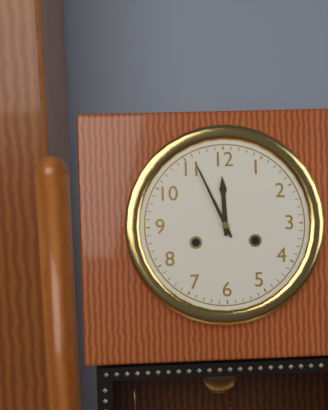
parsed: **11:56**
